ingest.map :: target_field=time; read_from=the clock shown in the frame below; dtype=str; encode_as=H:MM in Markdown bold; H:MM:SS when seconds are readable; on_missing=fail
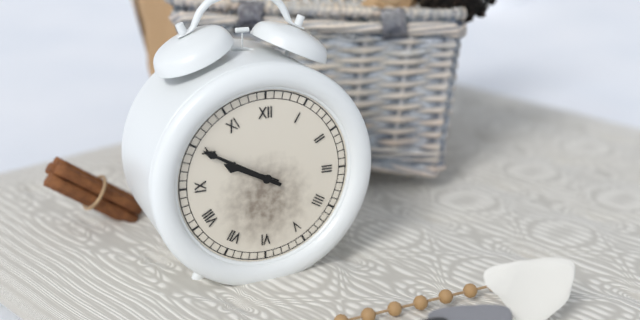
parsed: **9:50**
